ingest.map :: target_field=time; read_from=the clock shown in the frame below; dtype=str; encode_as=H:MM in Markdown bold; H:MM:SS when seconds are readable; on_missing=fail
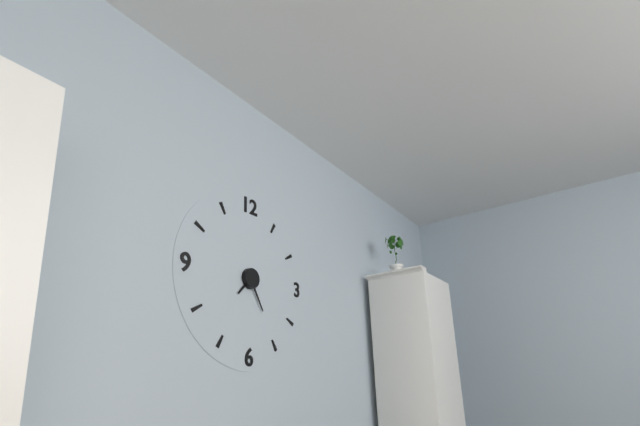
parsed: **7:25**
